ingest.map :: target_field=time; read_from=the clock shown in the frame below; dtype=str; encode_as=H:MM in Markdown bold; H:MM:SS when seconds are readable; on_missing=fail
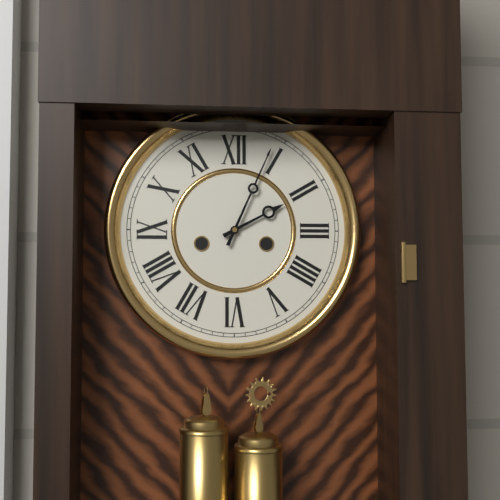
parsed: **2:04**
